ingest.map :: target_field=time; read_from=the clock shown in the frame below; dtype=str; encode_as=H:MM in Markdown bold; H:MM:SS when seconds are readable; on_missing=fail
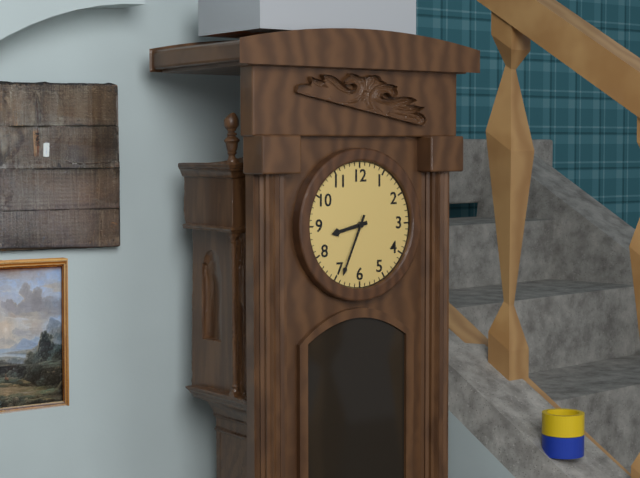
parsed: **8:34**
